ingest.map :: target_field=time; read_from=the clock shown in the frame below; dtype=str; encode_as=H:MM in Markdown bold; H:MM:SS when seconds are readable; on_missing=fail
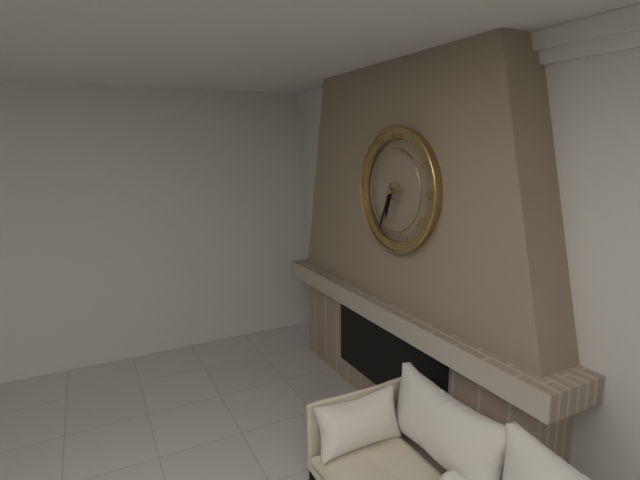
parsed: **6:34**
